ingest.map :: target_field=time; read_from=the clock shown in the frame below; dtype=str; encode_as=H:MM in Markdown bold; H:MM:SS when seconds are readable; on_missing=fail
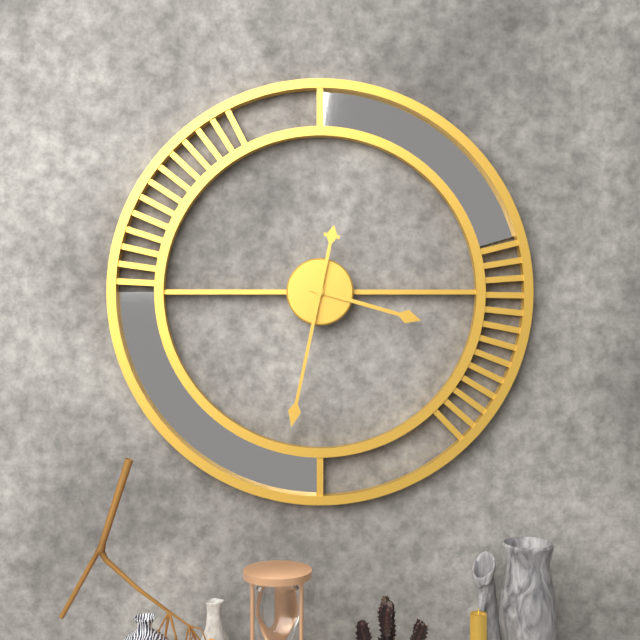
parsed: **3:32**
